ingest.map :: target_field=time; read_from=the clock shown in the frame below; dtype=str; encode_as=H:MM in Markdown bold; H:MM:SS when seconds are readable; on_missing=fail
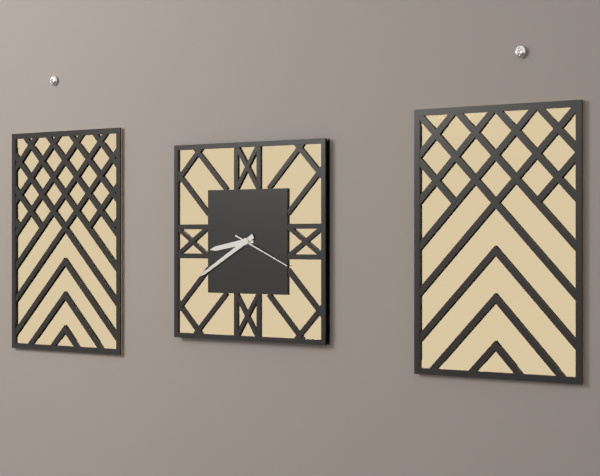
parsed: **8:40:19**
